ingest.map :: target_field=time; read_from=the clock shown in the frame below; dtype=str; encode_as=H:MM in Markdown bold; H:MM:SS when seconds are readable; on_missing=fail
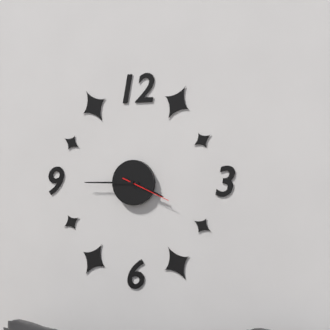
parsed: **3:45:19**
